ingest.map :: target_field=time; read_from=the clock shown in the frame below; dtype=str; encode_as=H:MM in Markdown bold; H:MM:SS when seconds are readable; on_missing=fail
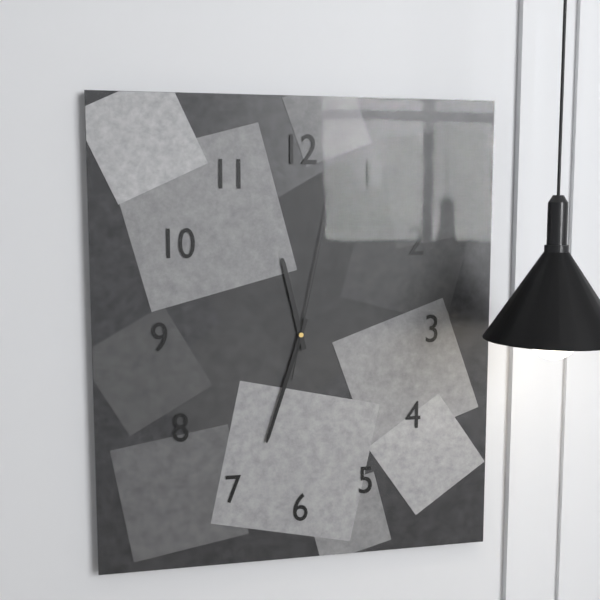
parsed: **11:33:02**
